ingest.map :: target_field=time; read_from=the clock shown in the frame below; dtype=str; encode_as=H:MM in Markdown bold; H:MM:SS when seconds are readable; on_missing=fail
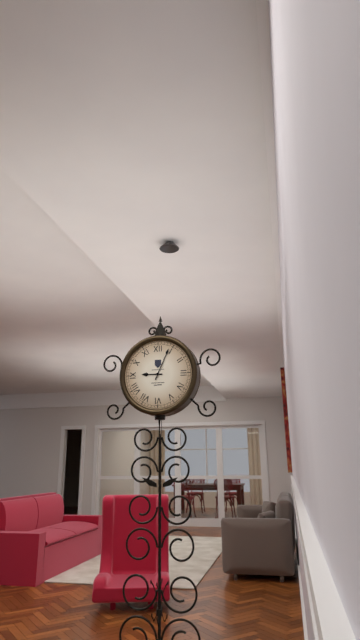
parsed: **9:04**
